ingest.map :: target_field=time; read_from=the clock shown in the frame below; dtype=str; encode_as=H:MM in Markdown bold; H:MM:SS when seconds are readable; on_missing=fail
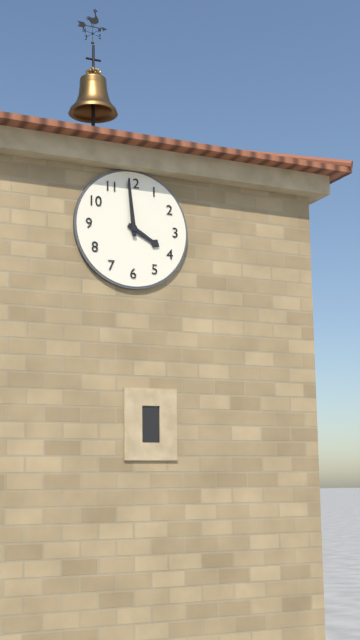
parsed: **3:59**
